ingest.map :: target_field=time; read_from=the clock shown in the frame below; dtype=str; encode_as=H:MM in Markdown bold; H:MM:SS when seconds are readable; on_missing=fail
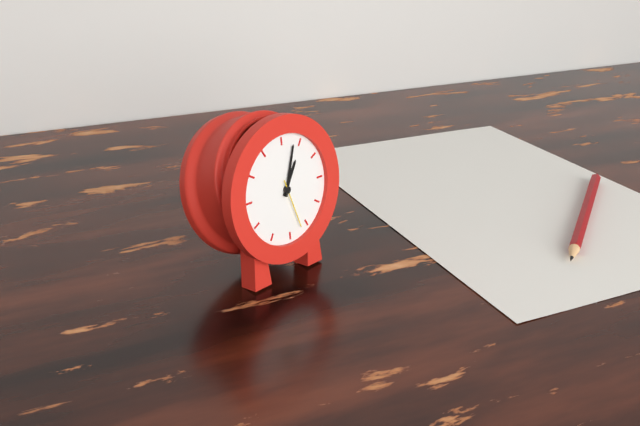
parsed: **1:03**
